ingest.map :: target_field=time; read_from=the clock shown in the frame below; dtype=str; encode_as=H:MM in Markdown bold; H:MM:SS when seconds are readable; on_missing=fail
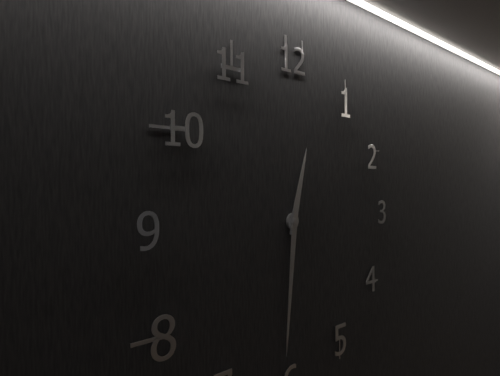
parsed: **12:31**
